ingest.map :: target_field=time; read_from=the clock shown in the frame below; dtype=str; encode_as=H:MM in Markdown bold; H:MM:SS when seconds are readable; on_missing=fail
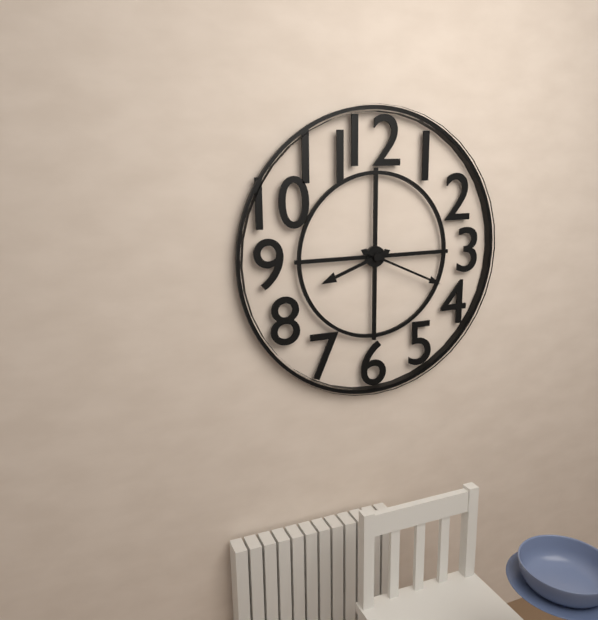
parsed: **8:19**
